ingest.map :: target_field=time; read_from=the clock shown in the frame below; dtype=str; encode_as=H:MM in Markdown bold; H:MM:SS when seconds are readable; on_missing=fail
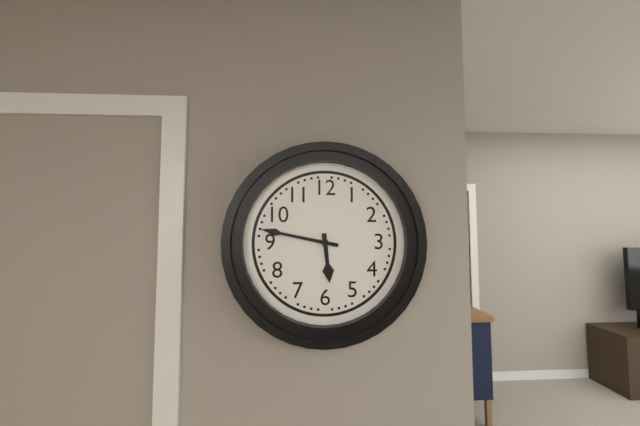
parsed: **5:47**
